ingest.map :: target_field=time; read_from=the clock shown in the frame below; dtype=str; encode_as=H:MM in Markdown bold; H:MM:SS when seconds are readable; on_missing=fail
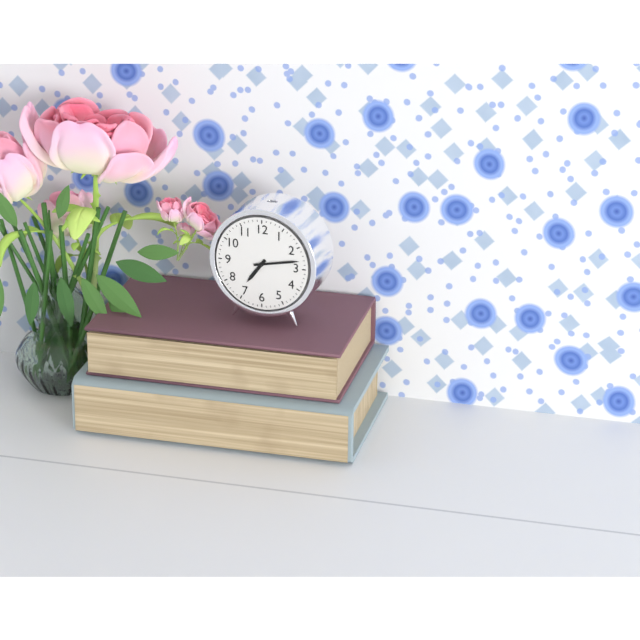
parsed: **7:13**
